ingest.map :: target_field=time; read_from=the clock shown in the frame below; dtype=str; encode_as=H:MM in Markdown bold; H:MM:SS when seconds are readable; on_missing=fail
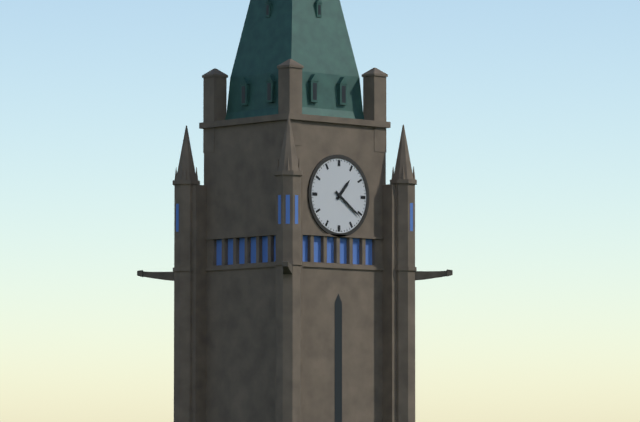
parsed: **1:21**
